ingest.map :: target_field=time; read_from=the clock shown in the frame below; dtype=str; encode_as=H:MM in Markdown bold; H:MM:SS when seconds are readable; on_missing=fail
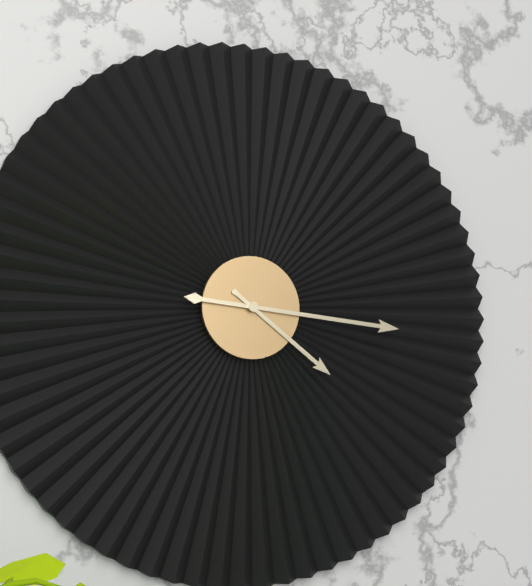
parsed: **4:16**
